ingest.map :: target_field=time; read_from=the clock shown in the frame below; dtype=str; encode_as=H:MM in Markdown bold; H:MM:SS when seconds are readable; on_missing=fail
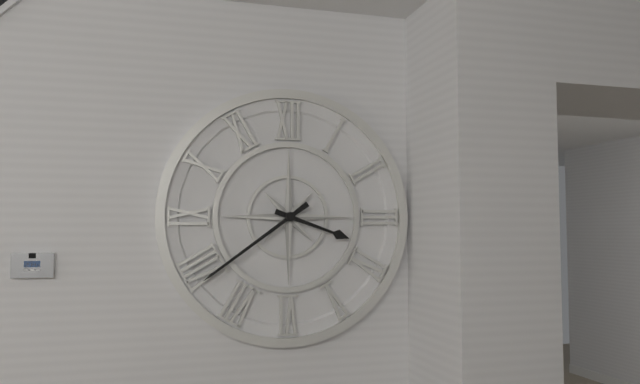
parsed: **3:39**
